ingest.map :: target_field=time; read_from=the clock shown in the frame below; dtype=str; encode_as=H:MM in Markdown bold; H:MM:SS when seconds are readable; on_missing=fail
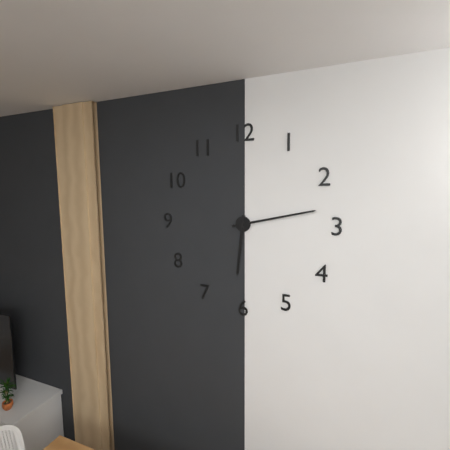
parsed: **6:13**
